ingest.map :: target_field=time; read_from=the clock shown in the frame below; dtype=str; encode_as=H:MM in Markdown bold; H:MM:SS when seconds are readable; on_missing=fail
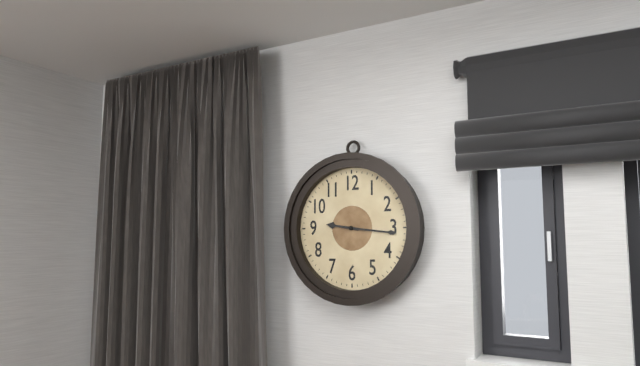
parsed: **9:16**
